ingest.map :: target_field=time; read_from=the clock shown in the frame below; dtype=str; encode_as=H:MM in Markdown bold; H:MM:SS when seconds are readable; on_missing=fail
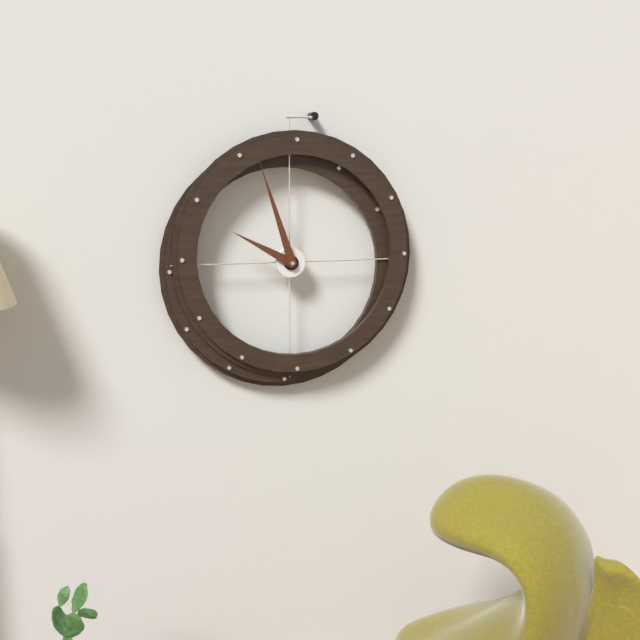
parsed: **9:57**
